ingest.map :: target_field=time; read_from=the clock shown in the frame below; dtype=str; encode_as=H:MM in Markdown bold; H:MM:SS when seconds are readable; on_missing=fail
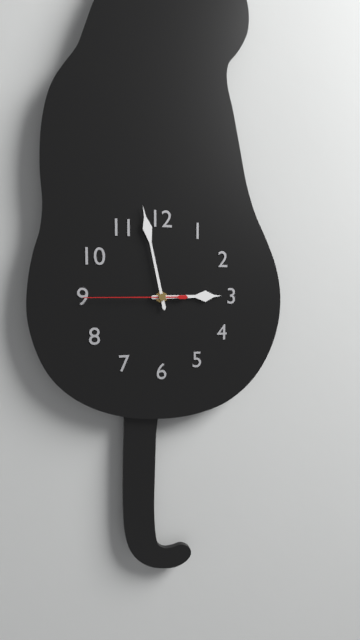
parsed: **2:58:45**
